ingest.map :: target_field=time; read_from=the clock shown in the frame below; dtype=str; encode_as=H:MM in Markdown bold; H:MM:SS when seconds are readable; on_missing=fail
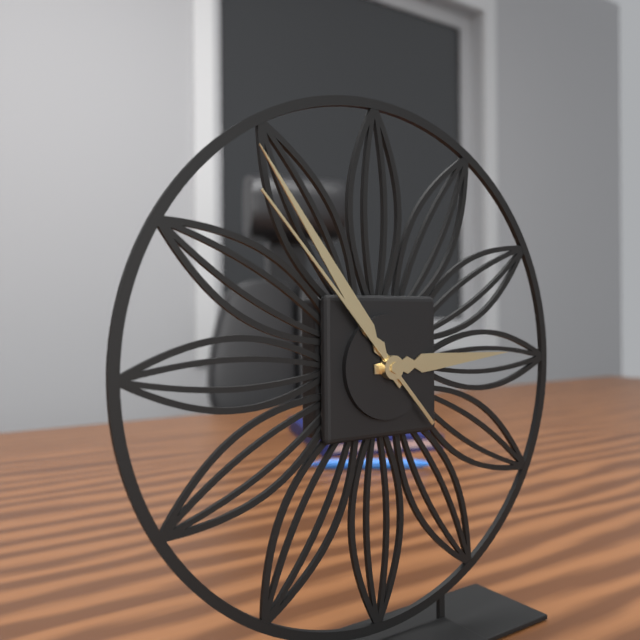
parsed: **2:54:53**
